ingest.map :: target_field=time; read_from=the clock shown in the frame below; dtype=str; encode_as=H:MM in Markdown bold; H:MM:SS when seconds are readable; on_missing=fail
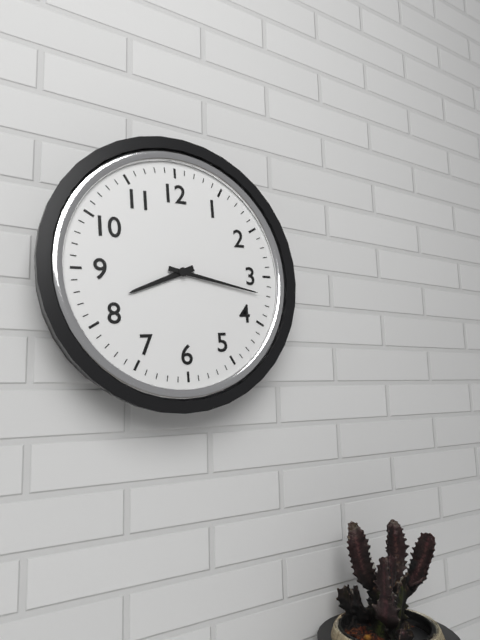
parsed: **8:17**
